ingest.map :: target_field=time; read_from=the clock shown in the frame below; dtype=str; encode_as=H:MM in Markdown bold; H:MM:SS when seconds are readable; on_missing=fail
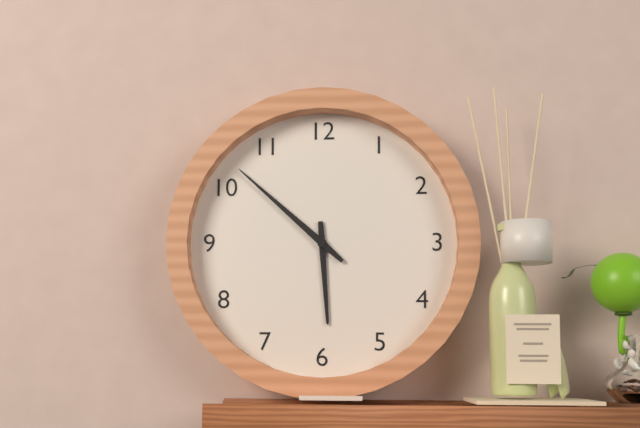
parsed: **5:52**
